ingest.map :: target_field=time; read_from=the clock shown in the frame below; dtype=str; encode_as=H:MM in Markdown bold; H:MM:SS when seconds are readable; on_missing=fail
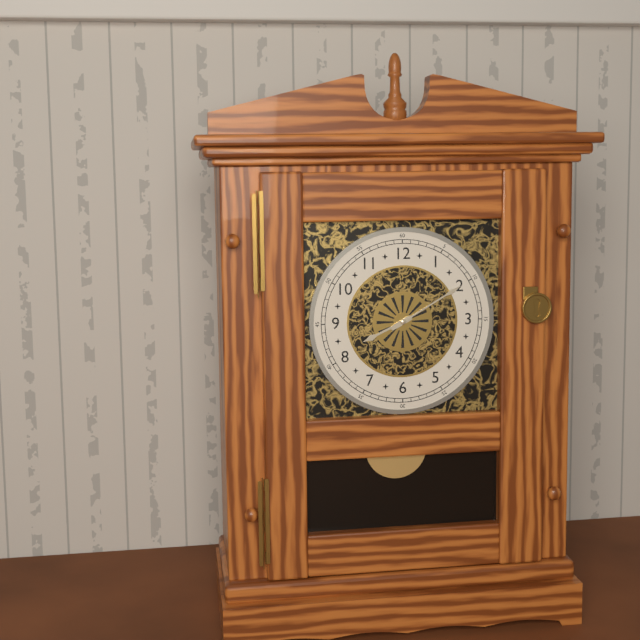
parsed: **8:10**
